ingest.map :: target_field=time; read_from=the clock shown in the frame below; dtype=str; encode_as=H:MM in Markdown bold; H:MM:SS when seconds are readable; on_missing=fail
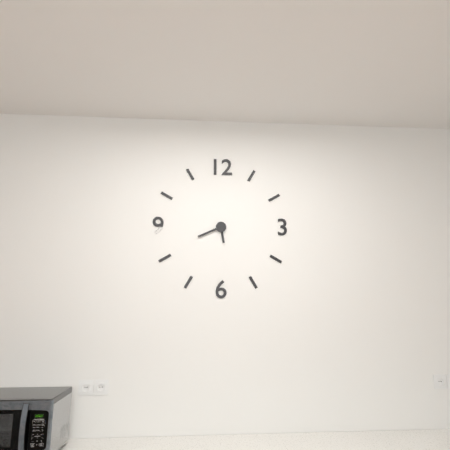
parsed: **5:41**
